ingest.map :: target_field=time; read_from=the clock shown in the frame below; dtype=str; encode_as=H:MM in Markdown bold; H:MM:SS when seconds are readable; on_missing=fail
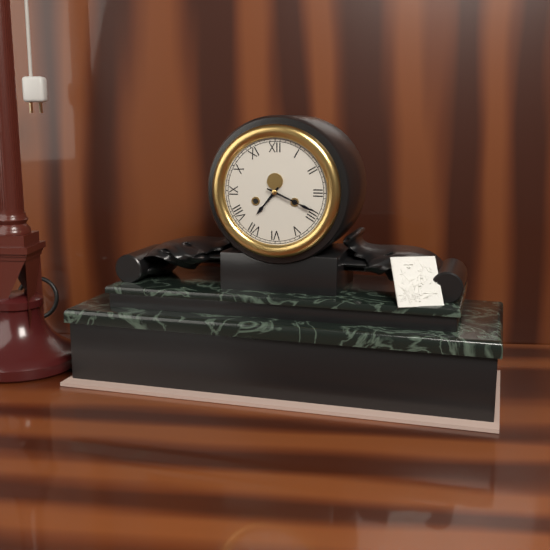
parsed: **7:19**
